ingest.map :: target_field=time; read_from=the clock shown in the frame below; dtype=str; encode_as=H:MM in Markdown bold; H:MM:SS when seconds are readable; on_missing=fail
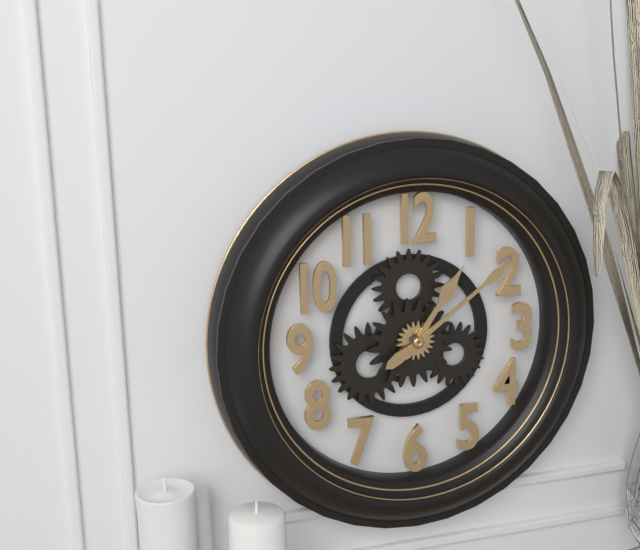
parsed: **1:09**
